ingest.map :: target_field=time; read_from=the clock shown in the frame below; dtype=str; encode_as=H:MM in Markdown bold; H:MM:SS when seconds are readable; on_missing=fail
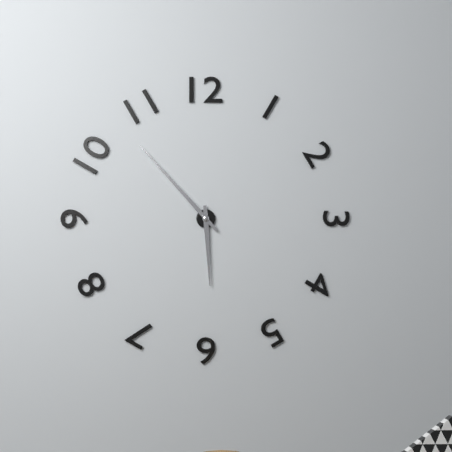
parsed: **5:53**
